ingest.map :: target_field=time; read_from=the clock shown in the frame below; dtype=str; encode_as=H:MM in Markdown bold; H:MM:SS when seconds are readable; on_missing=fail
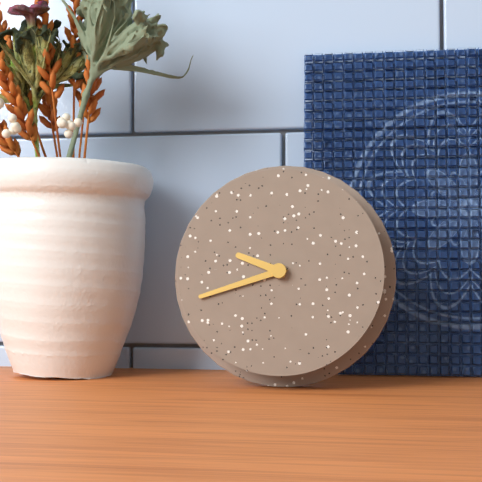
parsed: **9:42**
